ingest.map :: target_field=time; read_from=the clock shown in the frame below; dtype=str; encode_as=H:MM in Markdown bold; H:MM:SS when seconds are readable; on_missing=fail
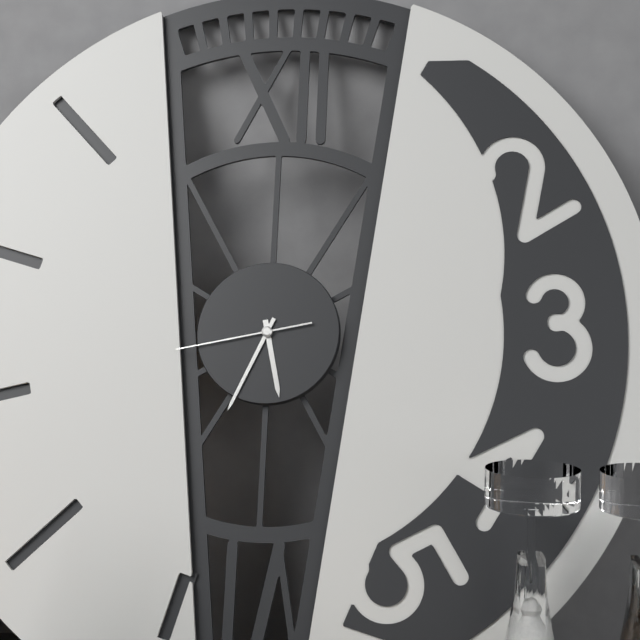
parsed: **5:34:43**
